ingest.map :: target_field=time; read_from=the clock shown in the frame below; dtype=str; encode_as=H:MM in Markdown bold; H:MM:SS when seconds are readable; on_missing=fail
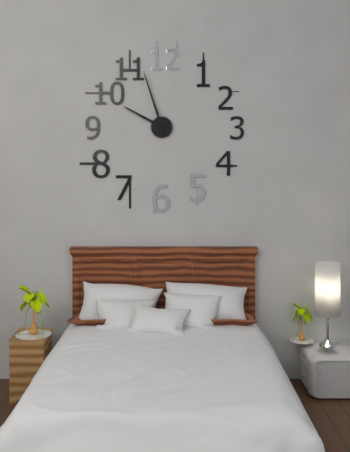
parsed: **9:57**
